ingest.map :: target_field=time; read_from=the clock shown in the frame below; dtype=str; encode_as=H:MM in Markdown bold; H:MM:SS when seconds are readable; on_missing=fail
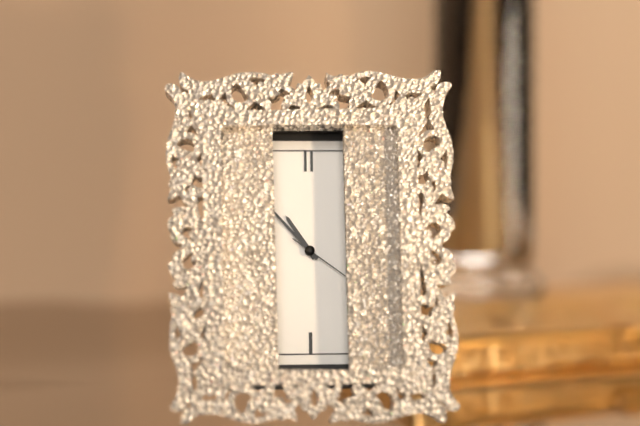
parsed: **10:53:21**
